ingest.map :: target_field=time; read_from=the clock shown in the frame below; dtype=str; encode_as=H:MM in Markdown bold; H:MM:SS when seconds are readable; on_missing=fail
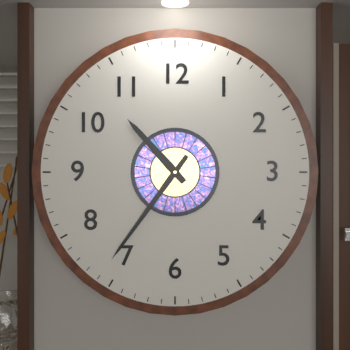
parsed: **10:36**
